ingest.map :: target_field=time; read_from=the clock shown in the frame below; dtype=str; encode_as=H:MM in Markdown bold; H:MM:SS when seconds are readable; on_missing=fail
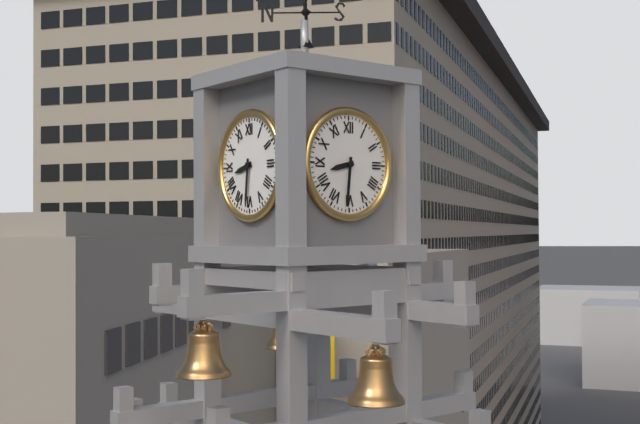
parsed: **8:31**
